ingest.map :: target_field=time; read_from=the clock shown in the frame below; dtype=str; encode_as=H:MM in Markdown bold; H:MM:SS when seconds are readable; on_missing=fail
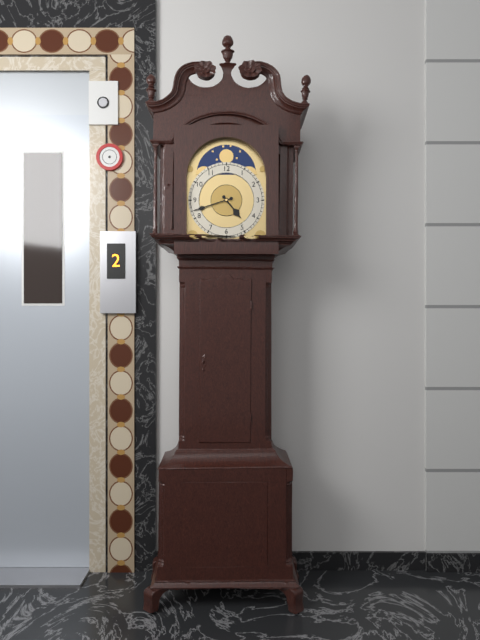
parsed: **4:42**
